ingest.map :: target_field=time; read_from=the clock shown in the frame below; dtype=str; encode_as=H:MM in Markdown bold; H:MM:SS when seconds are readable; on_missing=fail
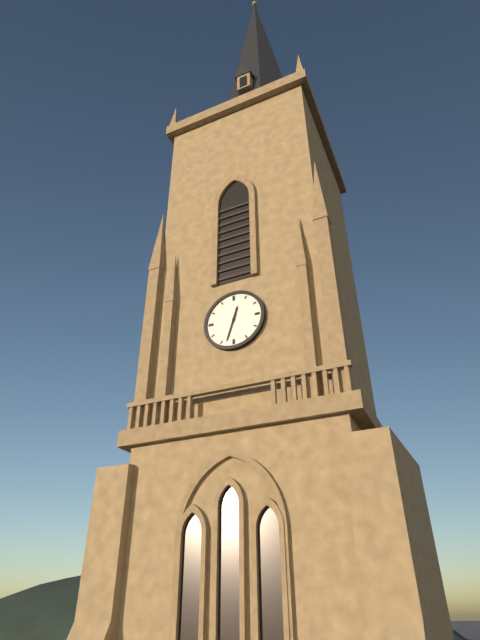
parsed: **12:33**
